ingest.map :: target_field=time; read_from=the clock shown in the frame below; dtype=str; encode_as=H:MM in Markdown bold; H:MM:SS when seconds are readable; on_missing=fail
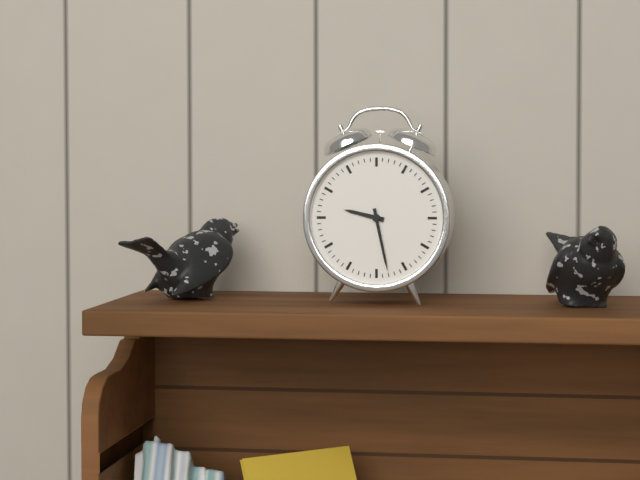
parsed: **9:28**
